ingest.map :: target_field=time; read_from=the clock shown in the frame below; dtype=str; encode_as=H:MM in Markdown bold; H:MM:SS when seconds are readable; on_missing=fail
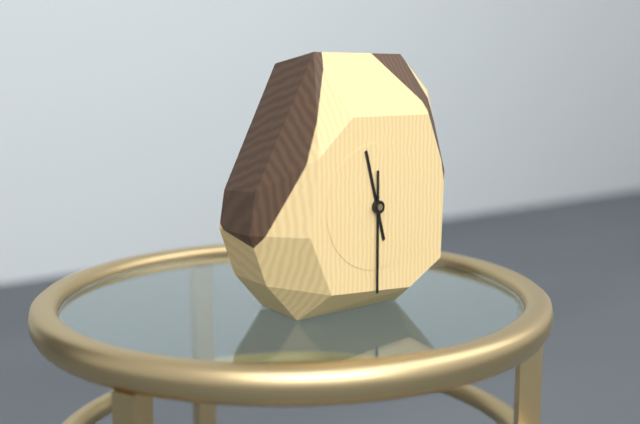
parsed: **11:30**
